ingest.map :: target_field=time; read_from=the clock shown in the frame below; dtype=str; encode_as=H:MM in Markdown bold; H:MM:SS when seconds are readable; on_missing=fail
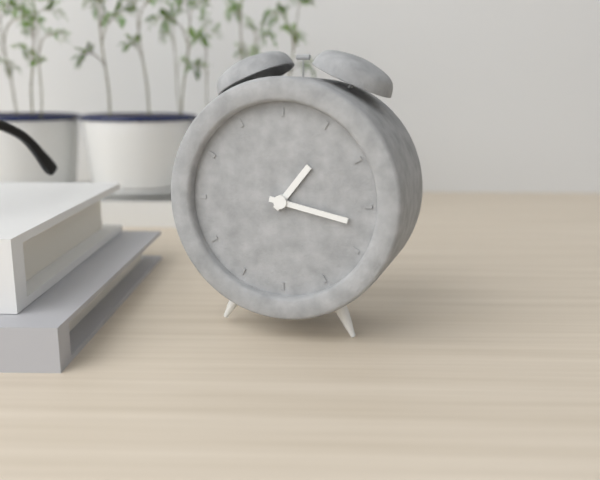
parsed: **1:17**
